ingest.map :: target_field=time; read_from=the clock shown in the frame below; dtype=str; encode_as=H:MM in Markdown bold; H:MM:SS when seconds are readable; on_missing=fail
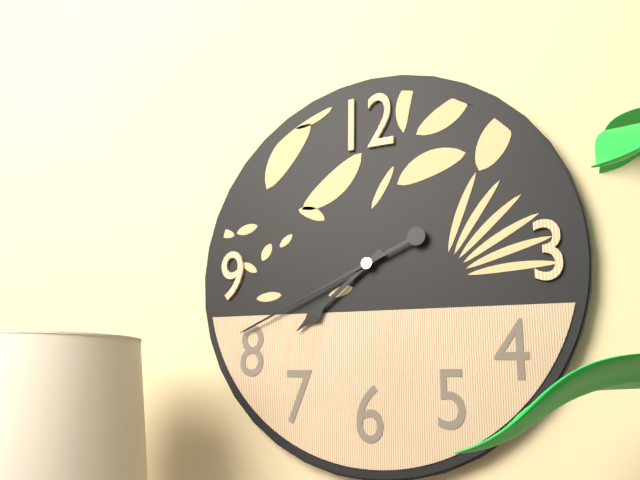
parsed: **7:41**
